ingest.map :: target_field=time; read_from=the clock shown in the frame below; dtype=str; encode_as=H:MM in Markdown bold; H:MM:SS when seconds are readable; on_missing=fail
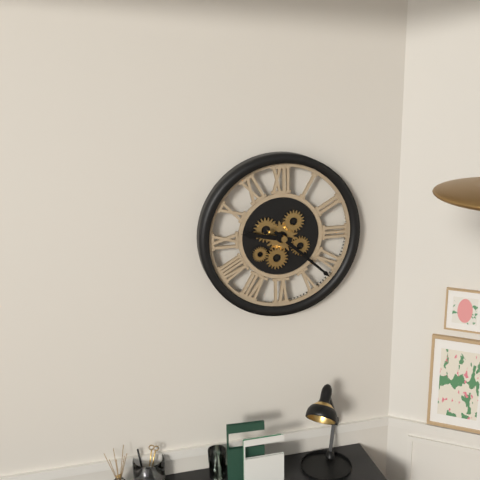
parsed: **9:22**
